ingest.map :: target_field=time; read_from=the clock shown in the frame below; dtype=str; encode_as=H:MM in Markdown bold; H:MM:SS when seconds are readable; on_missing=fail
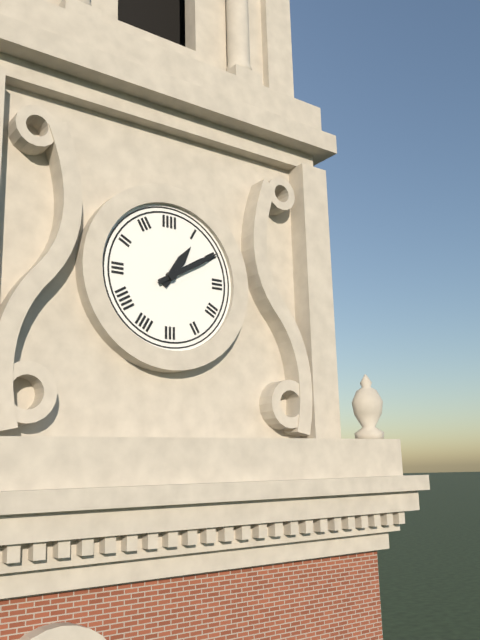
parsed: **1:10**
